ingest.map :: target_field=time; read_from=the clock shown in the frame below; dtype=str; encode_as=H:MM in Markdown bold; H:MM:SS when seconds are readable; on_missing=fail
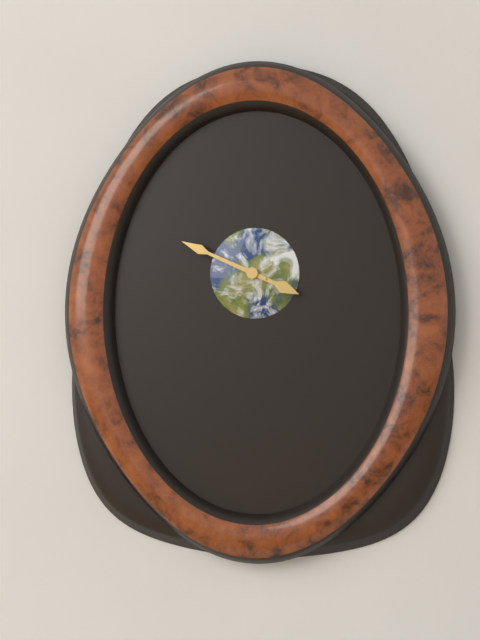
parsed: **3:49**
